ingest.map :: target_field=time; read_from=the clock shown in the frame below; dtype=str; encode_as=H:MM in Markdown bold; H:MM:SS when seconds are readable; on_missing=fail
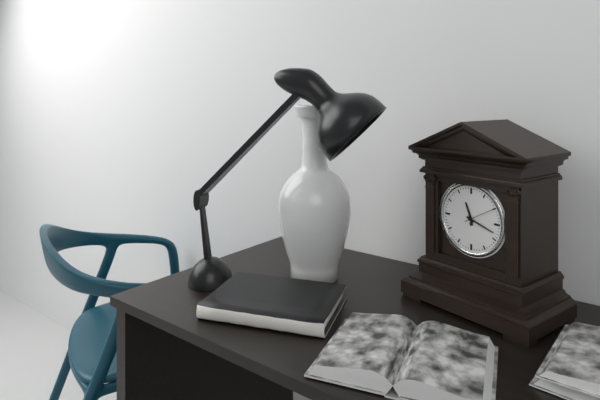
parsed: **11:18**
